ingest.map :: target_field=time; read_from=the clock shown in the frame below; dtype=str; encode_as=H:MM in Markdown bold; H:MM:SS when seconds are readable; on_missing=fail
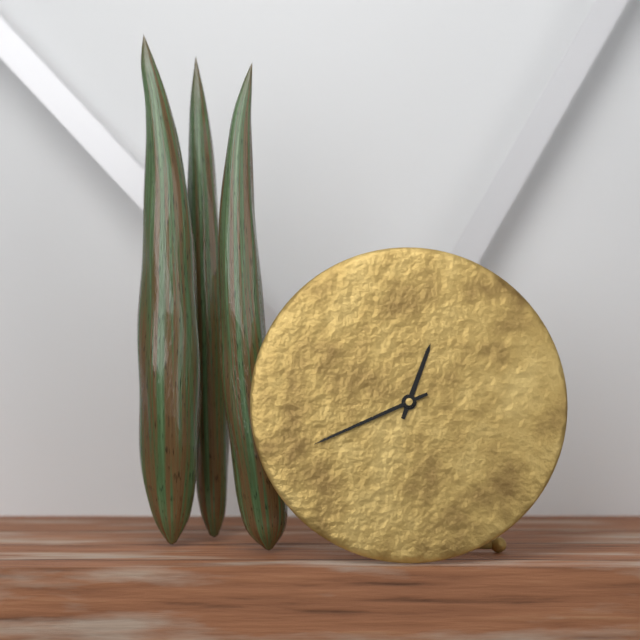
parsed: **12:41**
